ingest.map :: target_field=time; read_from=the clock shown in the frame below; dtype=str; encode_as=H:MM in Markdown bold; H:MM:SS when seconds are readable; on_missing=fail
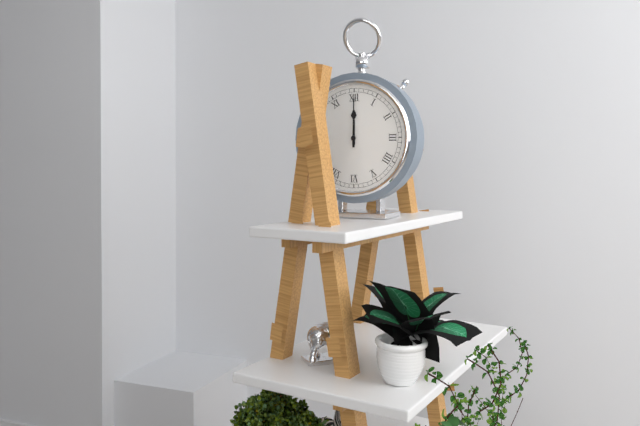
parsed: **12:00**
